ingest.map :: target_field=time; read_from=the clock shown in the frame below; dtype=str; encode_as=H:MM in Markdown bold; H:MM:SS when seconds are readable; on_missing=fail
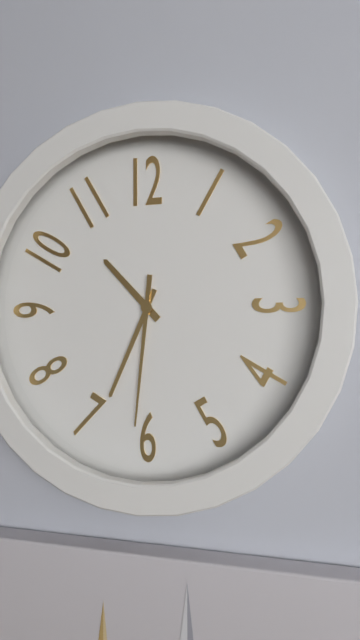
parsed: **10:34:31**
